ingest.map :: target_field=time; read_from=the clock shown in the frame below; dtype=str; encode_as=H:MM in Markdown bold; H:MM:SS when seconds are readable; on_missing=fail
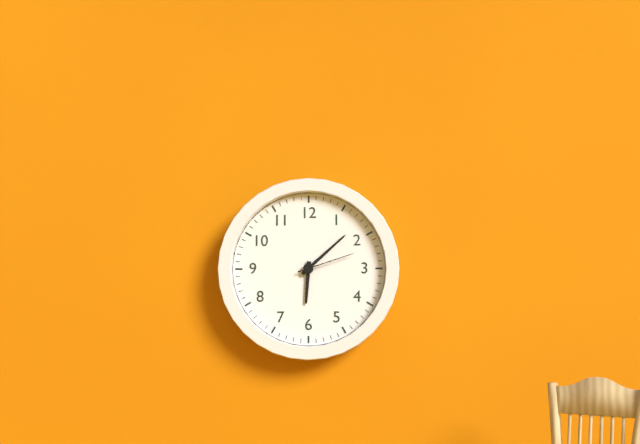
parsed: **6:08:12**
